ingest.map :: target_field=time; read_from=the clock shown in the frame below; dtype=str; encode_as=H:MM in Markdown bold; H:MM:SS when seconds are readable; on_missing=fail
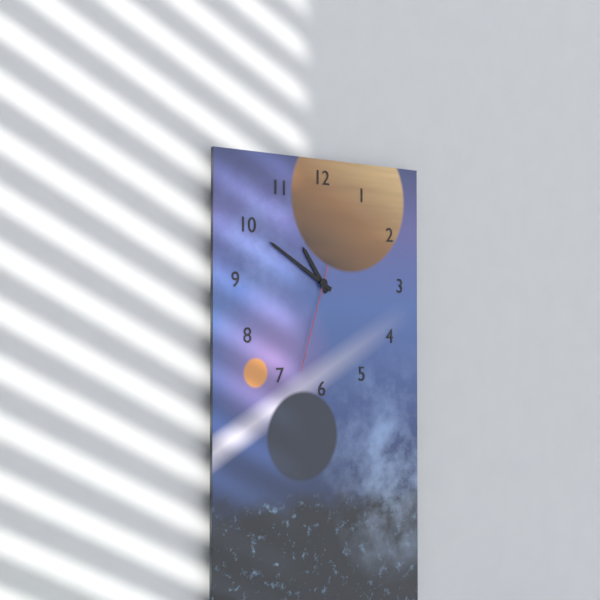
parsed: **10:50:33**
